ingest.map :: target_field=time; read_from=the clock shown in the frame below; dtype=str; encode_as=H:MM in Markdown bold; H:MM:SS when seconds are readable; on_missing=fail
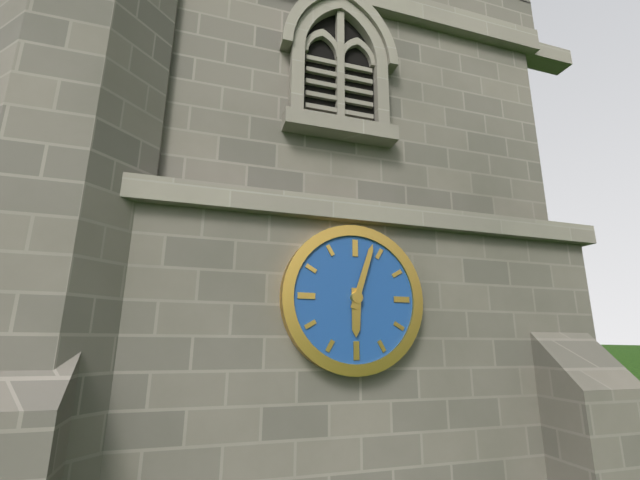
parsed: **6:03**
